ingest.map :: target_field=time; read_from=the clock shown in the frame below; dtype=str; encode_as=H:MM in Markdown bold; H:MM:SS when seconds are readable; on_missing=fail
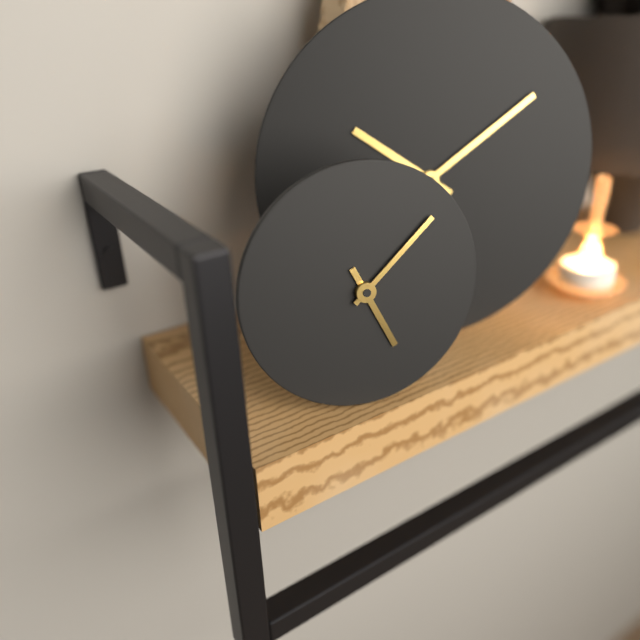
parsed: **5:08**
